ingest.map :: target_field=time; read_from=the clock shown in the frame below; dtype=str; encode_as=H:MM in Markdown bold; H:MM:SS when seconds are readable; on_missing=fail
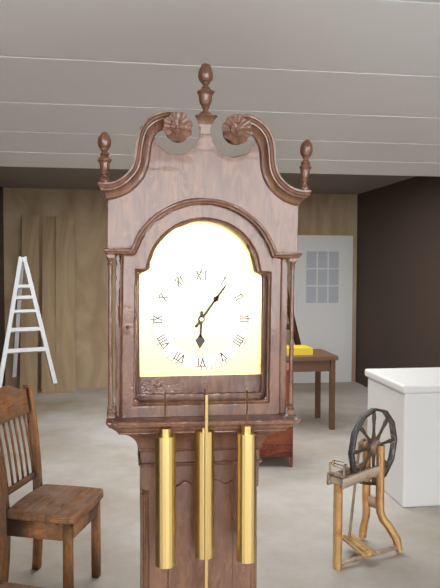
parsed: **6:06**
